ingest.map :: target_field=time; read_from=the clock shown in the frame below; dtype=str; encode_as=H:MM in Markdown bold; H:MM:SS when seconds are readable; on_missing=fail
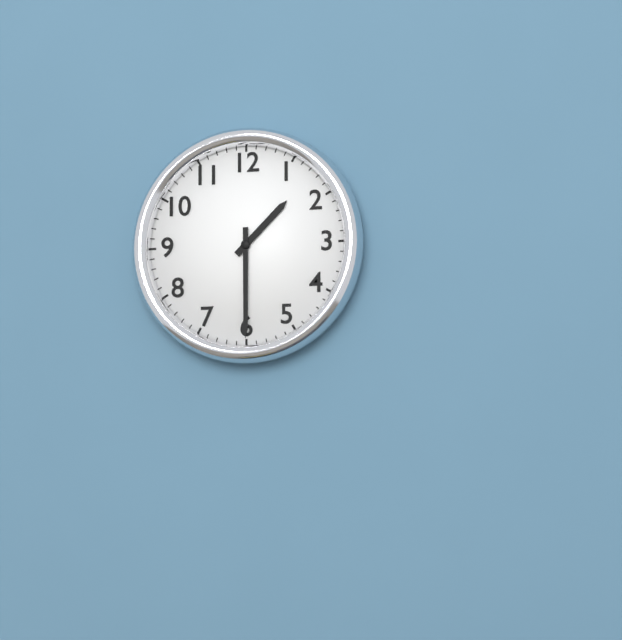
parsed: **1:30**
